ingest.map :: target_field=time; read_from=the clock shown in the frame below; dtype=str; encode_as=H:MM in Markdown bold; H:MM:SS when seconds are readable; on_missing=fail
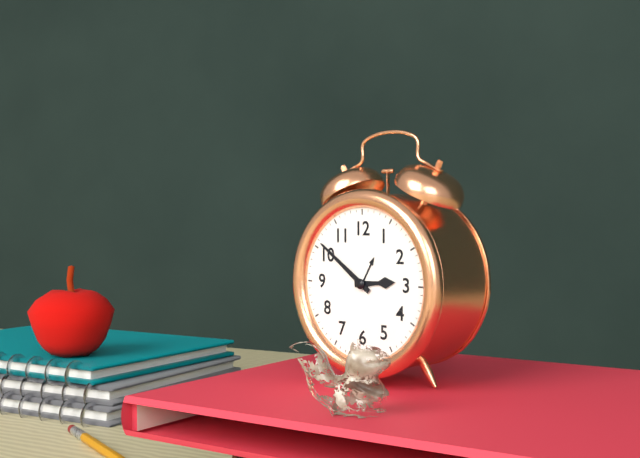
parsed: **2:51**
